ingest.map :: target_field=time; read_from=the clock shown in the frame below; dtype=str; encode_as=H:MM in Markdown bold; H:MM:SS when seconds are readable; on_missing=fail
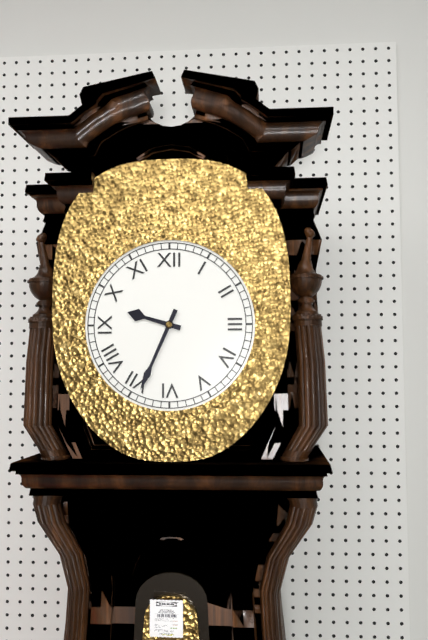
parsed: **9:34**
